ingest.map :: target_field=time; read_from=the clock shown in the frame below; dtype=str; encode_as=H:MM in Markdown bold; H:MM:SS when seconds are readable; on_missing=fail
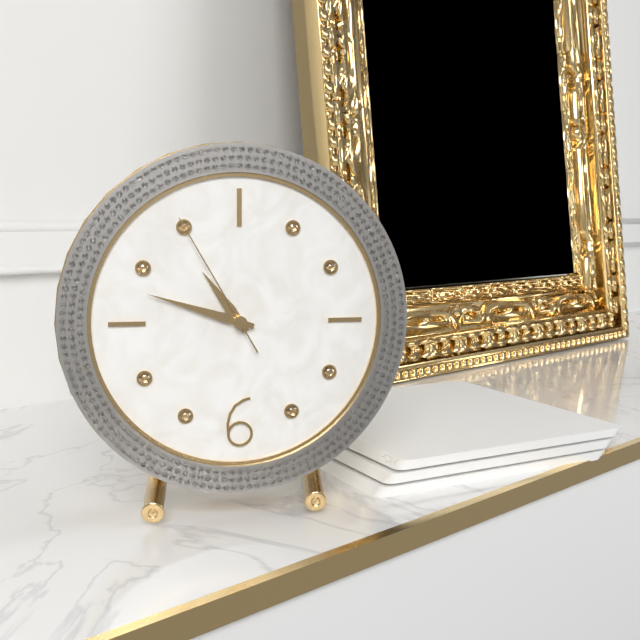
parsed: **10:48:55**
